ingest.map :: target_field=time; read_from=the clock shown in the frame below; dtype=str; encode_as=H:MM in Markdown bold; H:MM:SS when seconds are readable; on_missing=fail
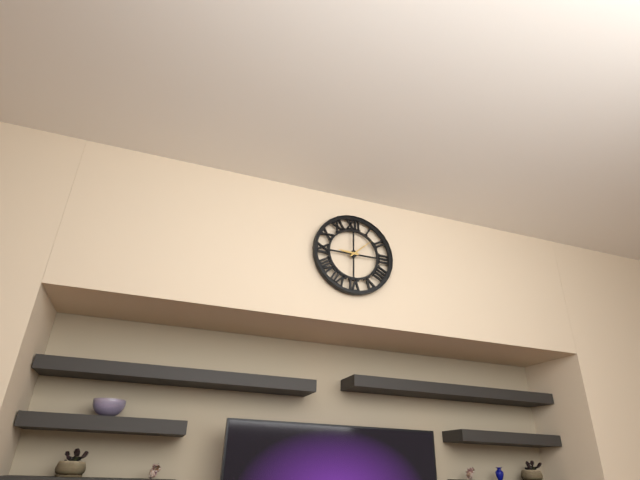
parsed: **9:08**
